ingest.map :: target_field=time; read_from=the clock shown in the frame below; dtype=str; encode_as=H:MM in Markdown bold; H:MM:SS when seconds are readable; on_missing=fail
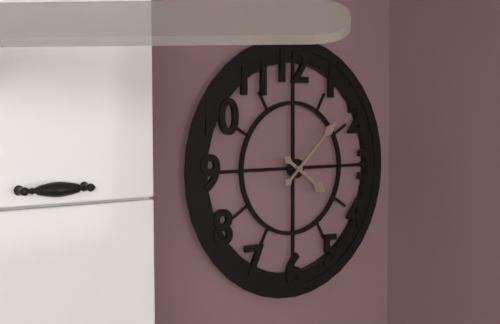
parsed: **4:08**
